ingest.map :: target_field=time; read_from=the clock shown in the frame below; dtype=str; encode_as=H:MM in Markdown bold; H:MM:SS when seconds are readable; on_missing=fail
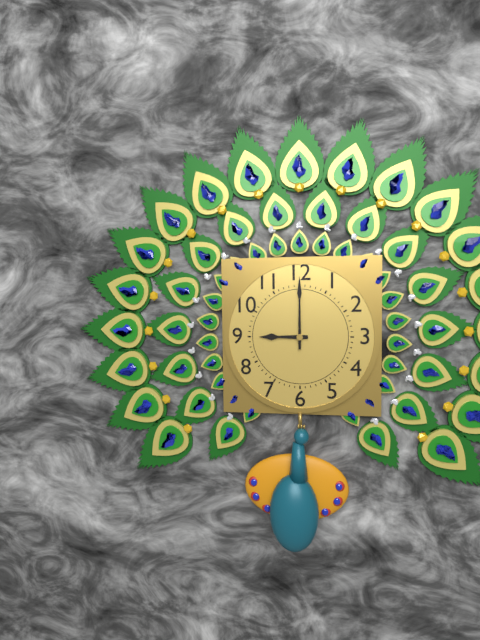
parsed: **9:00**
